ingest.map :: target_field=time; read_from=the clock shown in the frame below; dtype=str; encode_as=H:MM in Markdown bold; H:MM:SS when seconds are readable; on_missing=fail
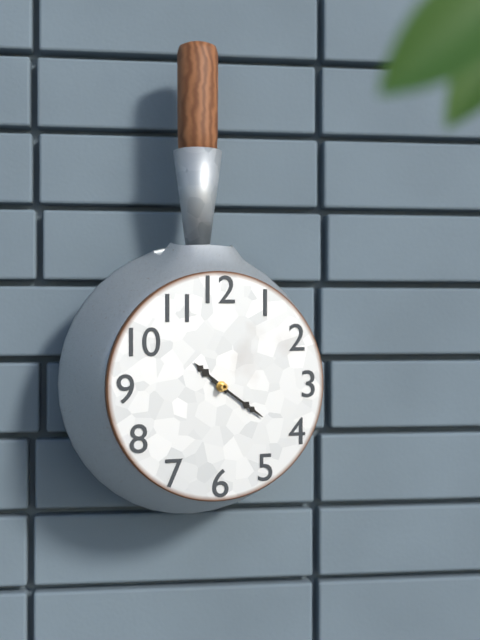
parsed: **10:21**
